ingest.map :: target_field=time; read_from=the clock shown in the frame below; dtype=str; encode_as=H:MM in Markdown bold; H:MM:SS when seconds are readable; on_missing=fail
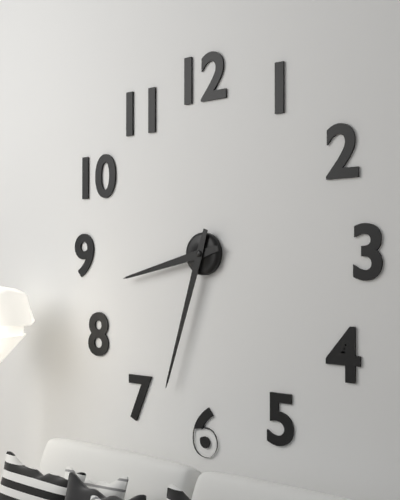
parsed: **8:33**
